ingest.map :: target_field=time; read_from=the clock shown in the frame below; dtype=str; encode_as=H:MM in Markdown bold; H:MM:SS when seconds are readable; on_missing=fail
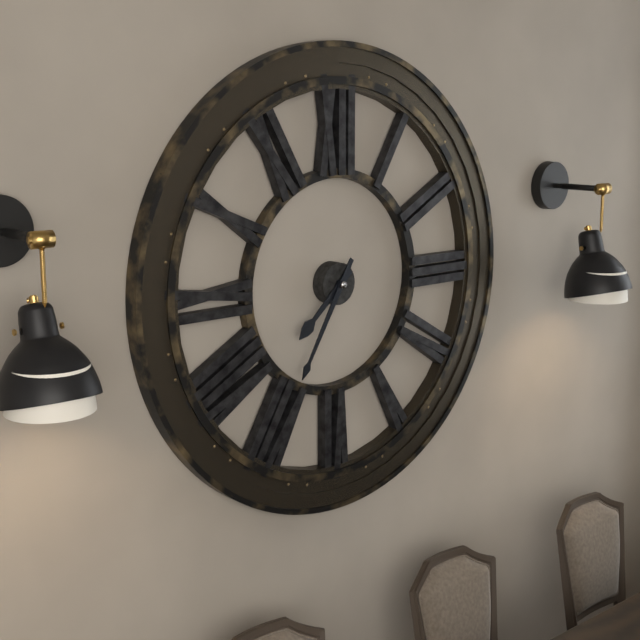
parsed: **7:35**
